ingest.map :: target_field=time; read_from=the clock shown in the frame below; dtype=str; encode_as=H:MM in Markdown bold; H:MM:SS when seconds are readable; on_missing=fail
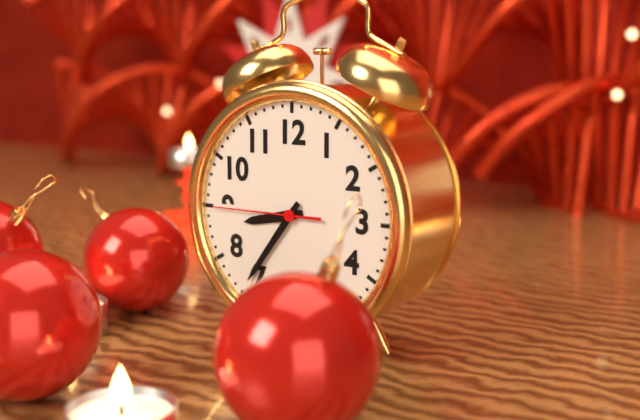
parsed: **8:36:45**
